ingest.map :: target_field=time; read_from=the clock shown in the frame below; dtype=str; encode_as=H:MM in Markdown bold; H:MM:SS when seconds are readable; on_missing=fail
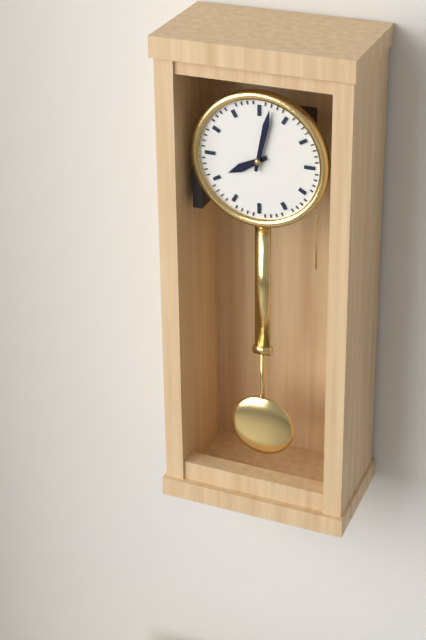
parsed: **8:02**
